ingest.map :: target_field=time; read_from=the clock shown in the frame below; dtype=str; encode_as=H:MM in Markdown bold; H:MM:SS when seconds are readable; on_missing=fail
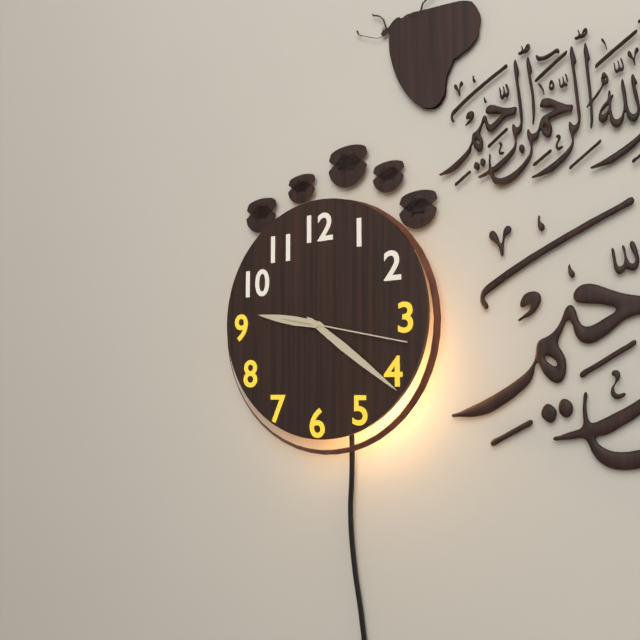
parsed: **9:21:17**
